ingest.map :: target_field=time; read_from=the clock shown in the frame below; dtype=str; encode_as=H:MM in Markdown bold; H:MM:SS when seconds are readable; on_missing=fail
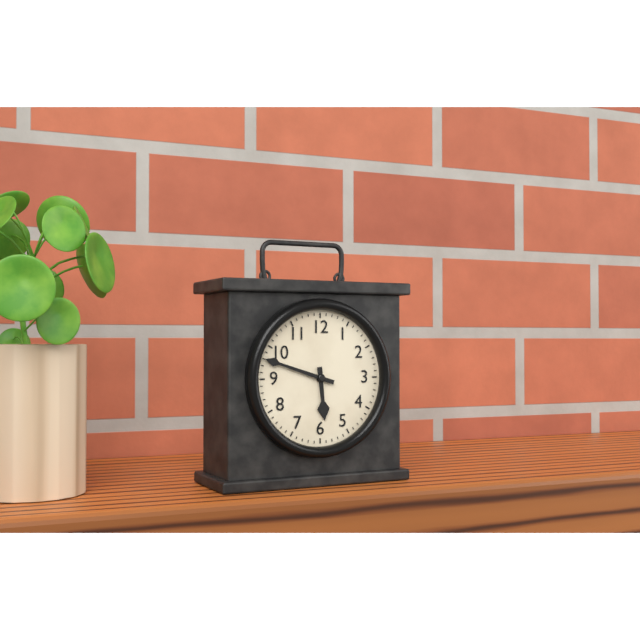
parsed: **5:48**
